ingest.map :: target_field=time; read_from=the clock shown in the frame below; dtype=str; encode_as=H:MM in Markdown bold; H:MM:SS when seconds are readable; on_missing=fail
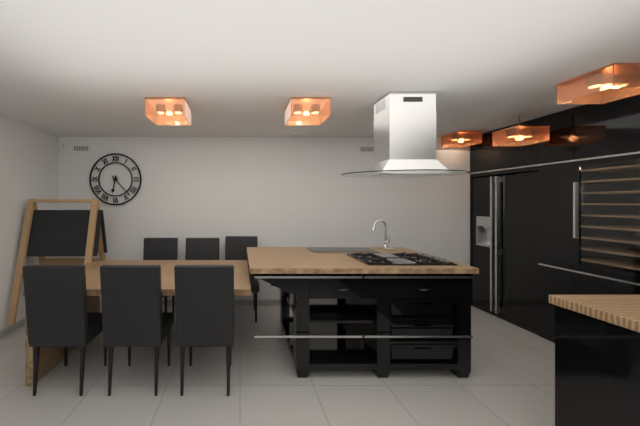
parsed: **6:23**
